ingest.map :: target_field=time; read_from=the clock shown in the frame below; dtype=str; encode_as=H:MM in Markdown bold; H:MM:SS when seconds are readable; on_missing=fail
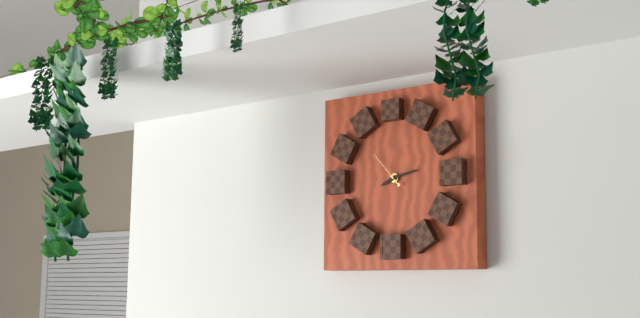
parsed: **8:13**
